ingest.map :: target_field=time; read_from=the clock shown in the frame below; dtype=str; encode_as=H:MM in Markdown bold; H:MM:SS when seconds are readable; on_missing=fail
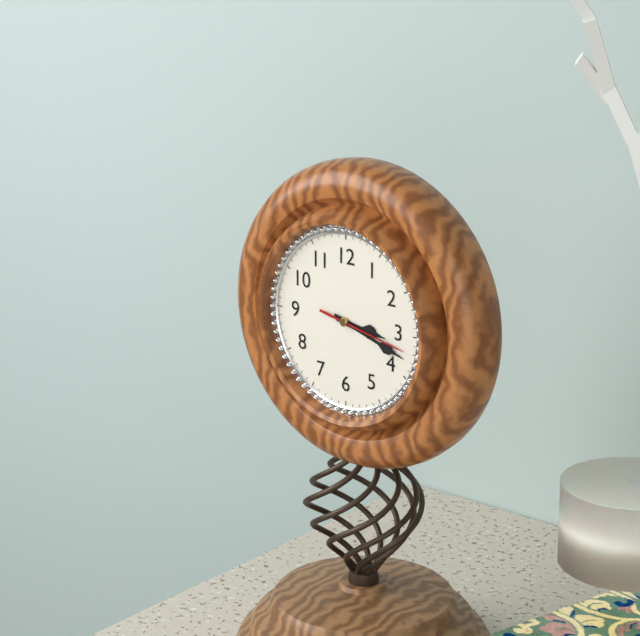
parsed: **3:18:17**
